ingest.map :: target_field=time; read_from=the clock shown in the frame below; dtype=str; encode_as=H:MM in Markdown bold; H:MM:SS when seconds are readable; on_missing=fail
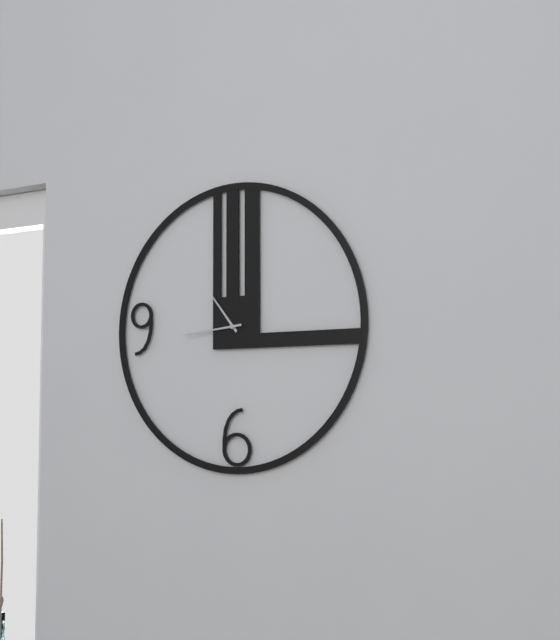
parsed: **10:44**
